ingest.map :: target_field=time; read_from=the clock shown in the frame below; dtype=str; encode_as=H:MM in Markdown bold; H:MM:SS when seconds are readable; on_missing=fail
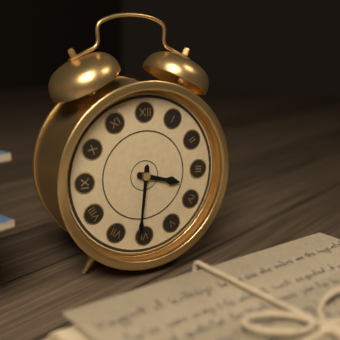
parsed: **3:31**
